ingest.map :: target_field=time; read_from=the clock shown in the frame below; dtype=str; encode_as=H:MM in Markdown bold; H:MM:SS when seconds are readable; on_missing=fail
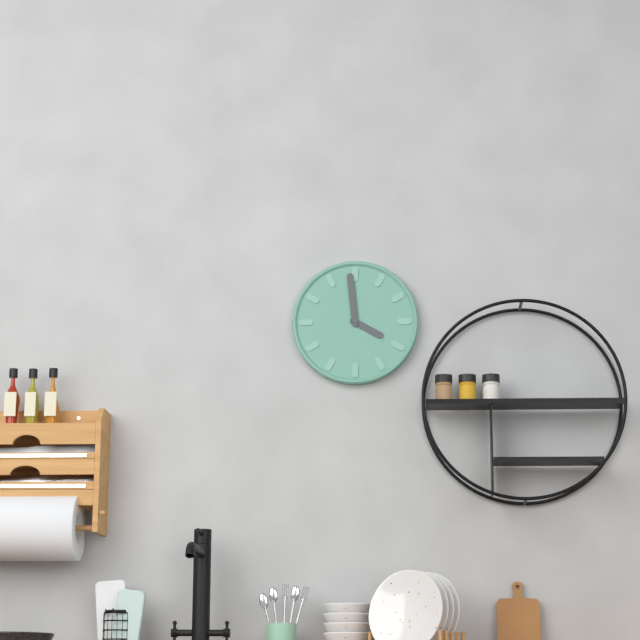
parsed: **3:59**
